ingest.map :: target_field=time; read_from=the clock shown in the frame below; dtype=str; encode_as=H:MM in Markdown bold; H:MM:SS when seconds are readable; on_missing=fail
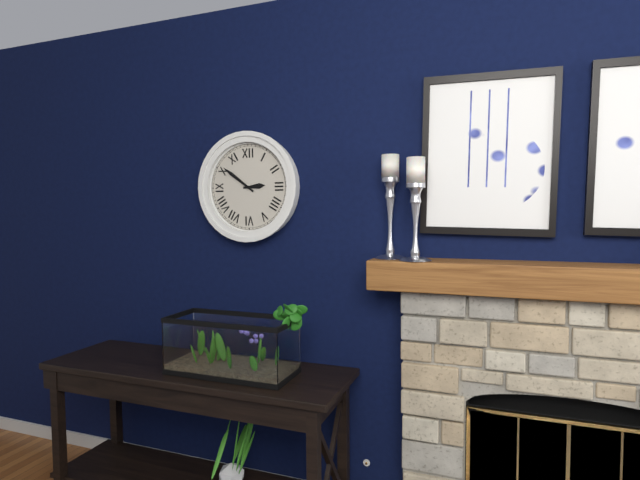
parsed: **2:51**
